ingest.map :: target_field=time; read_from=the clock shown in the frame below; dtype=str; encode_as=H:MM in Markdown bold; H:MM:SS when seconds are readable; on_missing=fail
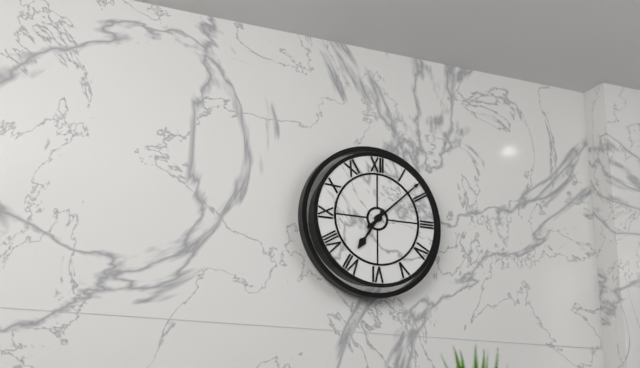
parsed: **7:08**
